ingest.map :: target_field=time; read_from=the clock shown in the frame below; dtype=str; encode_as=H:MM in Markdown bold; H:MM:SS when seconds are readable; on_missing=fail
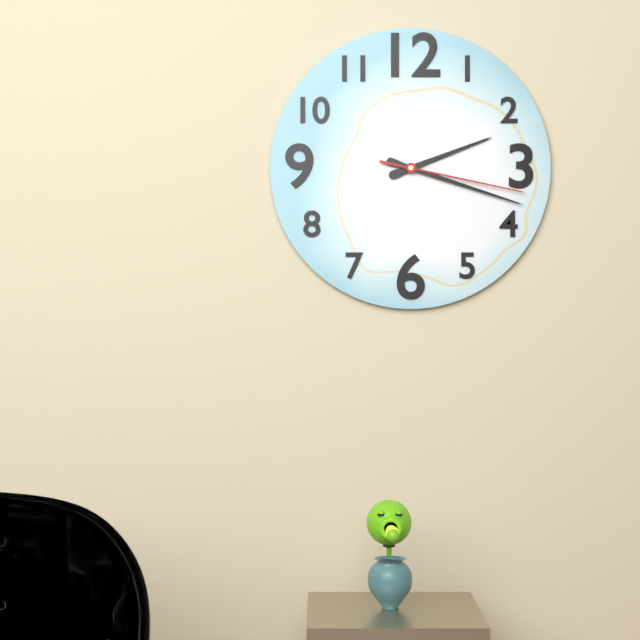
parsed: **2:18:17**
